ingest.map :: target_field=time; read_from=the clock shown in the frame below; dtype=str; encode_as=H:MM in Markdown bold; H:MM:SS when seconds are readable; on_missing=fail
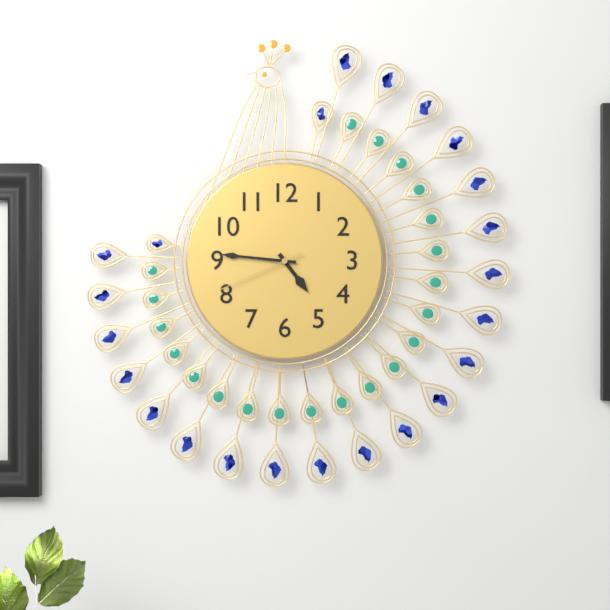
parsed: **4:46:41**
